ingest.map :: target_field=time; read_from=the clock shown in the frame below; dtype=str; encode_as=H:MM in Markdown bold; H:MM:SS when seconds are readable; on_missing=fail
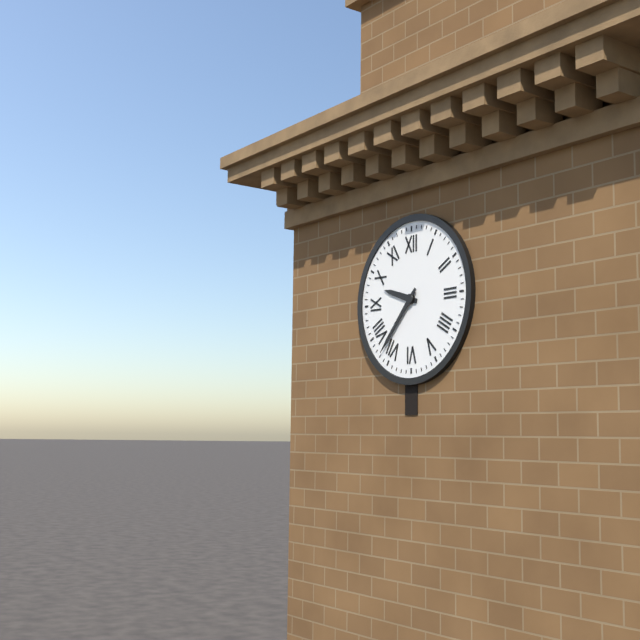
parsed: **9:37**
